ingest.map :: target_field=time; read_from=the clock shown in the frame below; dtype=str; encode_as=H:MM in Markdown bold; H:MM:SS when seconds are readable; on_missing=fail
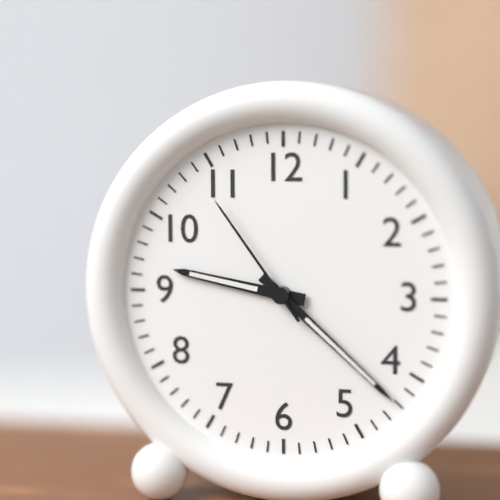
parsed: **9:22:54**
